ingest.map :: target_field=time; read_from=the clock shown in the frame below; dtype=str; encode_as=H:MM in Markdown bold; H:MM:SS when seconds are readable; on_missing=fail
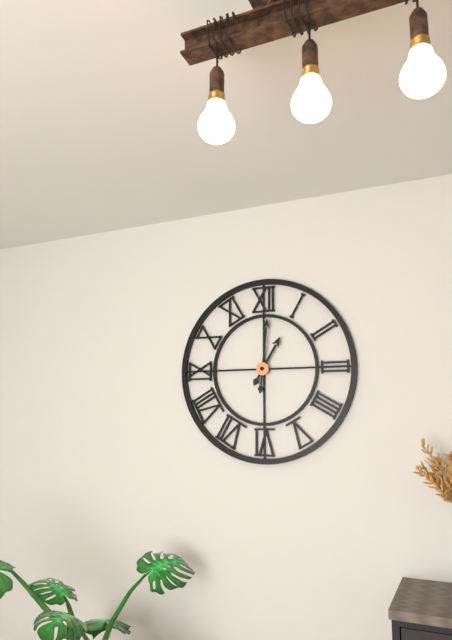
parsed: **1:01**
